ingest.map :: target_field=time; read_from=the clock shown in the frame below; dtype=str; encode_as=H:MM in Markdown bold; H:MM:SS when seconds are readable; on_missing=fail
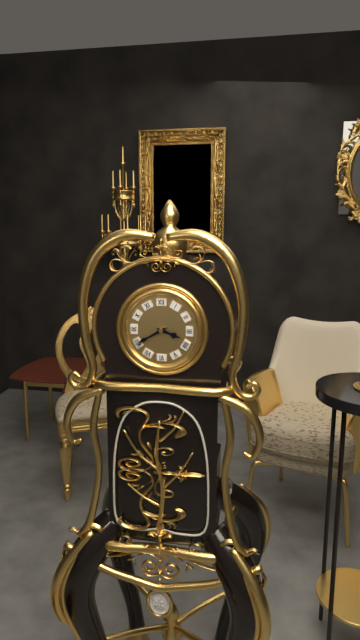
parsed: **3:40**
